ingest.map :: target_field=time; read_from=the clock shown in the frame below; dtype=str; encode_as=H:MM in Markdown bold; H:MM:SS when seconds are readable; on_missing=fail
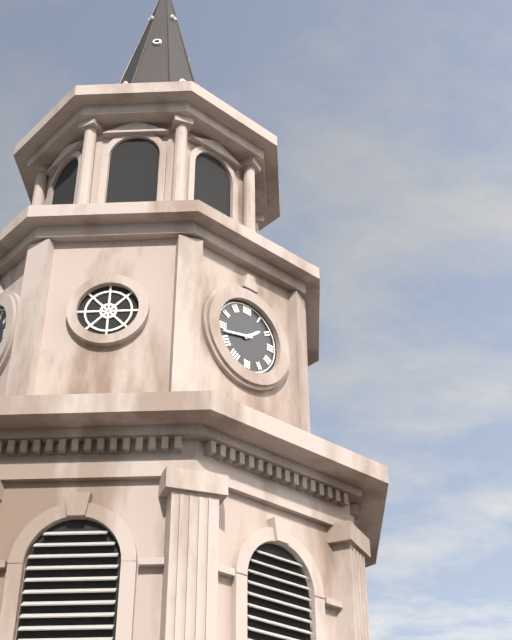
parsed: **1:43**
